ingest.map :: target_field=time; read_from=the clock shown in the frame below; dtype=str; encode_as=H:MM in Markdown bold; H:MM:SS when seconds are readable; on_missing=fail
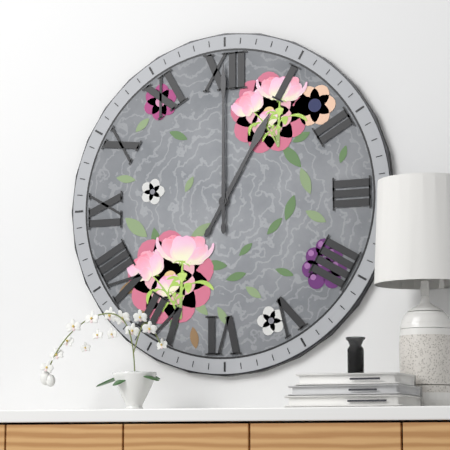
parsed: **1:00**
